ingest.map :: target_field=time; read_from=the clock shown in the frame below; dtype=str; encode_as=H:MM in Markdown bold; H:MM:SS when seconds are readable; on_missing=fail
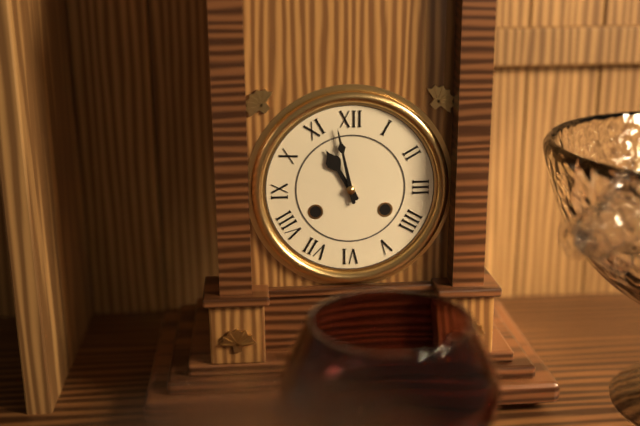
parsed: **10:58**
